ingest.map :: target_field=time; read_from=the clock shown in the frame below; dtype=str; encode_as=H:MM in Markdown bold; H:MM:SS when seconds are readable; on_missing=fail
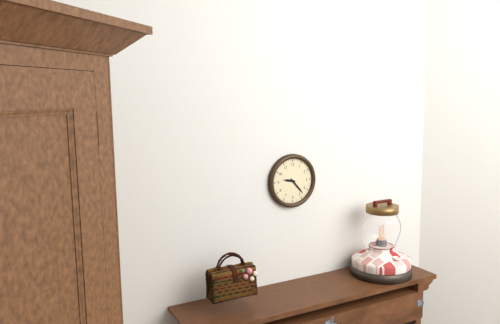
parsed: **9:23**
